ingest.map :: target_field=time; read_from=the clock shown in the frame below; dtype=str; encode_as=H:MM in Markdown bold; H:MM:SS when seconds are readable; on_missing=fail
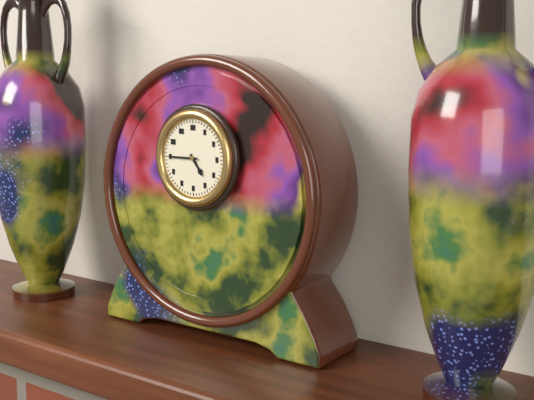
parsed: **4:45**
